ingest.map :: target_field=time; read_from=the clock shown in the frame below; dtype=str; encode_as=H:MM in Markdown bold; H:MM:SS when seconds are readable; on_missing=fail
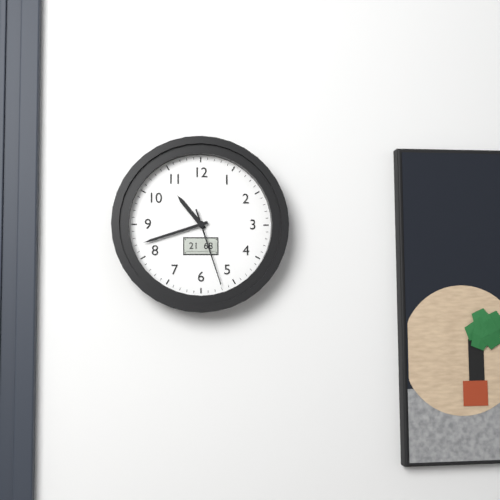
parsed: **10:42:27**
